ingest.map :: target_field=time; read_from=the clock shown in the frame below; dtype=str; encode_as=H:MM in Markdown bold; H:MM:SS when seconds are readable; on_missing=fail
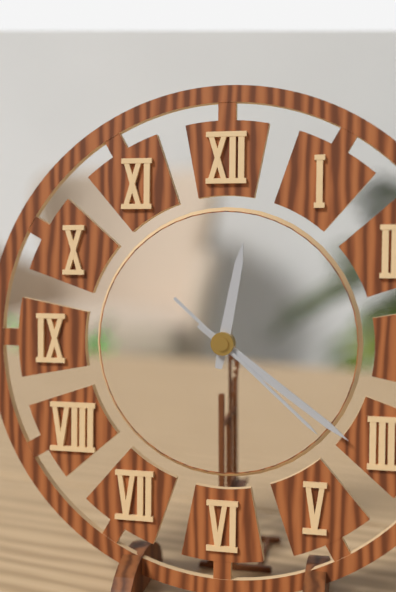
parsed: **12:21:22**
